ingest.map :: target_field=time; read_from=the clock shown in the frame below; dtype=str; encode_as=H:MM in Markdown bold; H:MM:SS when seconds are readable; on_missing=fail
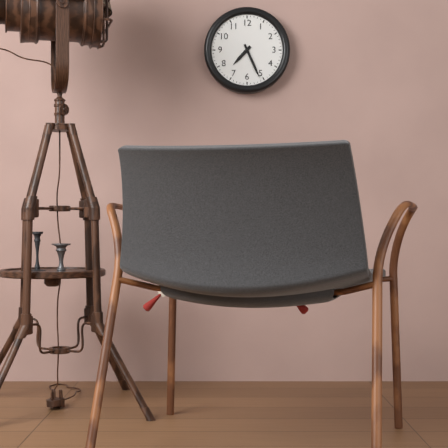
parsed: **7:26**
